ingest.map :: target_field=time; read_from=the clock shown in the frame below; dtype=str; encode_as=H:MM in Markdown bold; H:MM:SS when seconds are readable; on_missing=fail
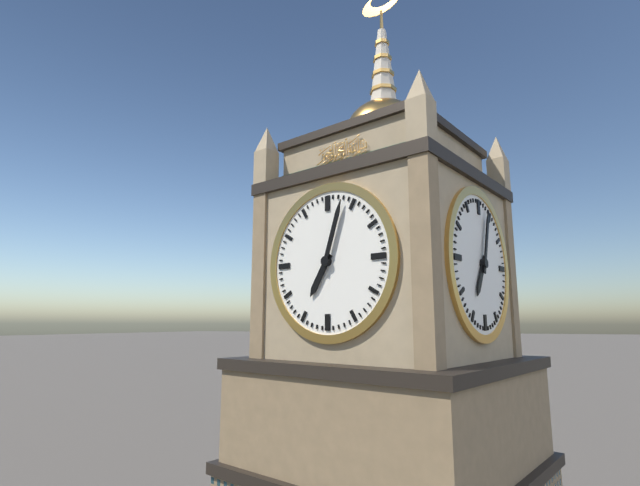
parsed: **7:03**
